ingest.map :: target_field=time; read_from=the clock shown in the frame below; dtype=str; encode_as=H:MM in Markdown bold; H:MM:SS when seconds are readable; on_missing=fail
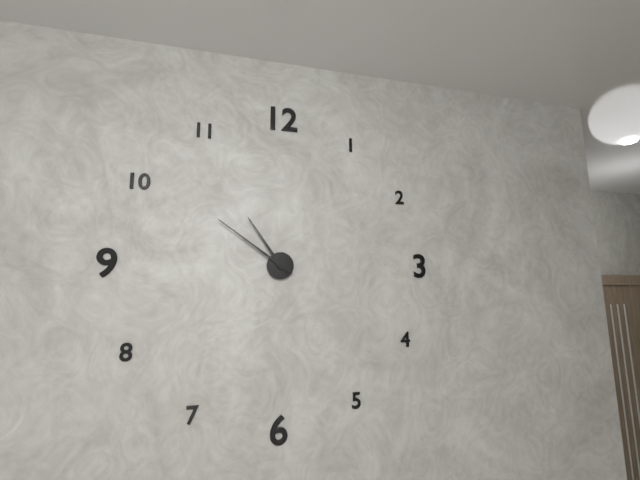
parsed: **10:51**
